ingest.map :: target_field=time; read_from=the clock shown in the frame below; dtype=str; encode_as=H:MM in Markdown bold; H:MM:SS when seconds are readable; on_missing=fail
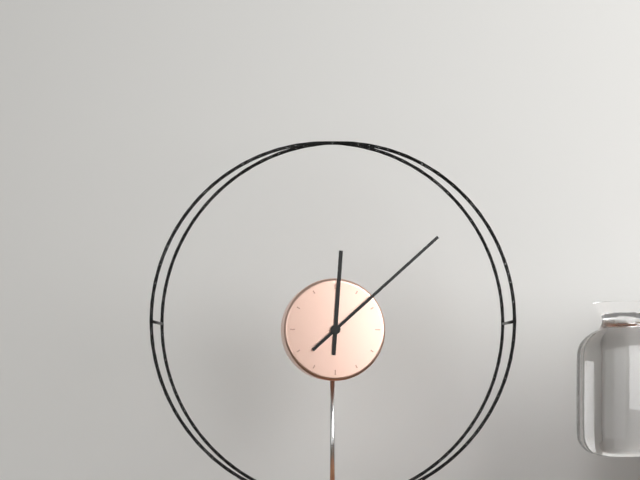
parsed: **12:08**
